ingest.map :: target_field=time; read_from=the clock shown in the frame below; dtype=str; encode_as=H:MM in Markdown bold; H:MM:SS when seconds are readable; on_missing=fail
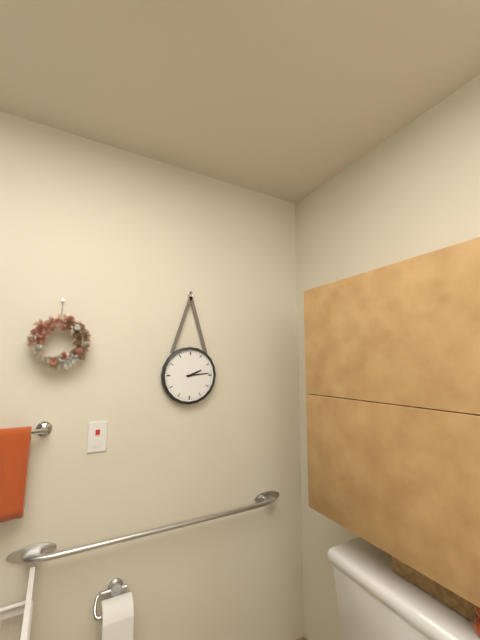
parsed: **2:14**
